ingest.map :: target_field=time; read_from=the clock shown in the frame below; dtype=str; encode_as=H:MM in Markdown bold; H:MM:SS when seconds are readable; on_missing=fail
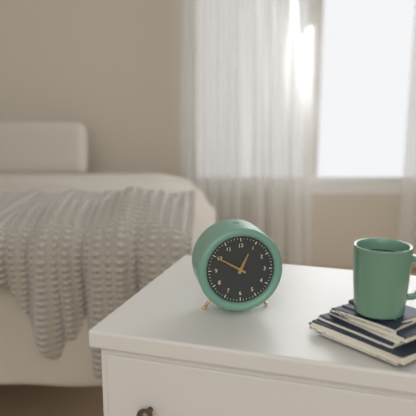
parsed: **12:50**
